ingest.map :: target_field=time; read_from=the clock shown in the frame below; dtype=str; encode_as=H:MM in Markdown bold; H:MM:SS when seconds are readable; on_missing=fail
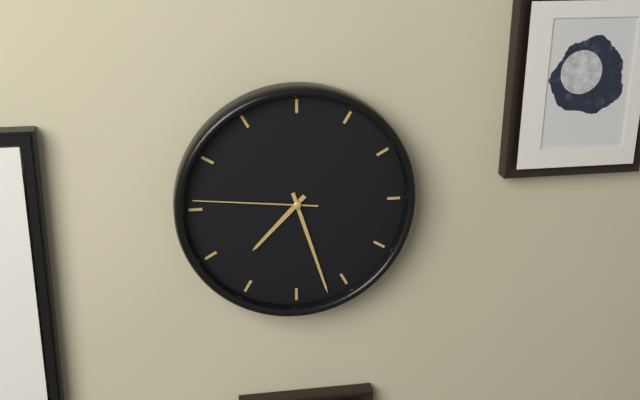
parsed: **7:27:46**
